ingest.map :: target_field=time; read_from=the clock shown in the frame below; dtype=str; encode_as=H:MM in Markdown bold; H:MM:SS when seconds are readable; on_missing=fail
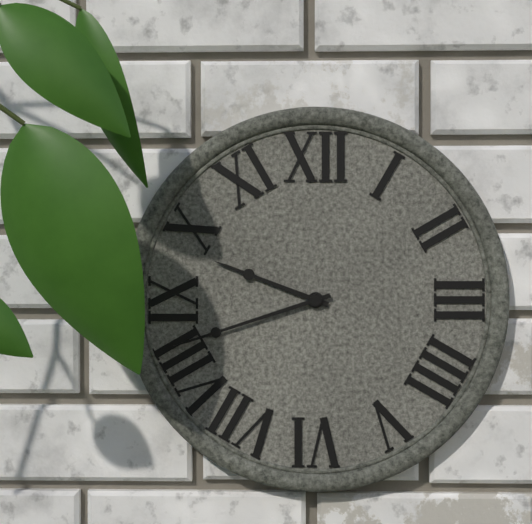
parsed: **9:42**
